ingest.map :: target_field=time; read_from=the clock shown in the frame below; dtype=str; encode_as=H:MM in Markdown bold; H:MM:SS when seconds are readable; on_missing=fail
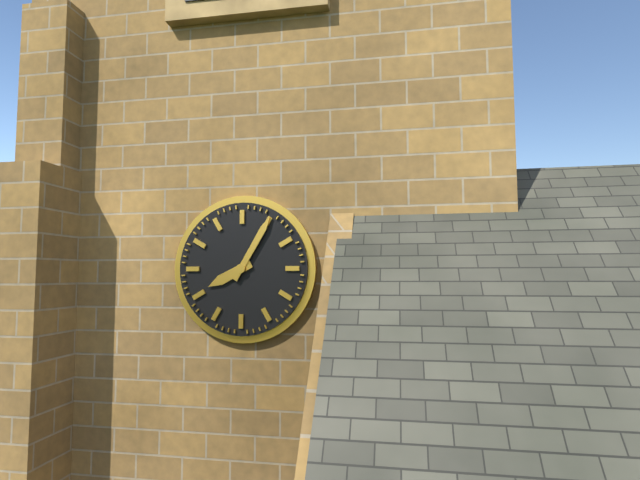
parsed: **8:05**
